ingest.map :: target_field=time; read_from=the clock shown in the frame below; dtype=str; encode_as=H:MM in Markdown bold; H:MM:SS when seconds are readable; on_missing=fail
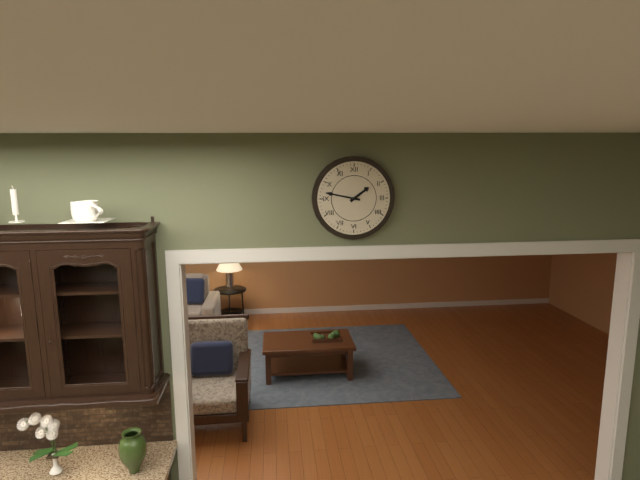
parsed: **1:47**
